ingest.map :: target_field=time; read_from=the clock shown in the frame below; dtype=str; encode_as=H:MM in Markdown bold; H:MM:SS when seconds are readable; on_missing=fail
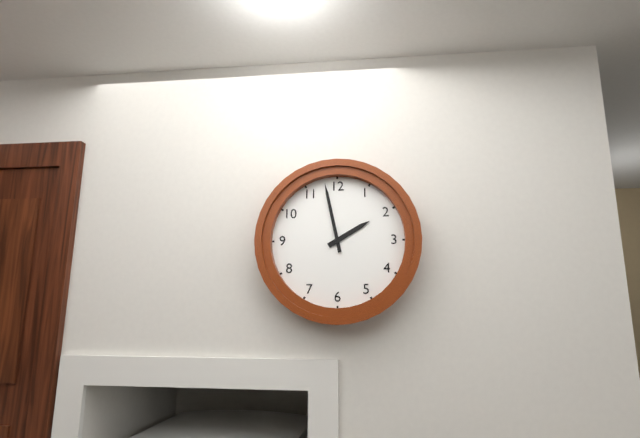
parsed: **1:58**
